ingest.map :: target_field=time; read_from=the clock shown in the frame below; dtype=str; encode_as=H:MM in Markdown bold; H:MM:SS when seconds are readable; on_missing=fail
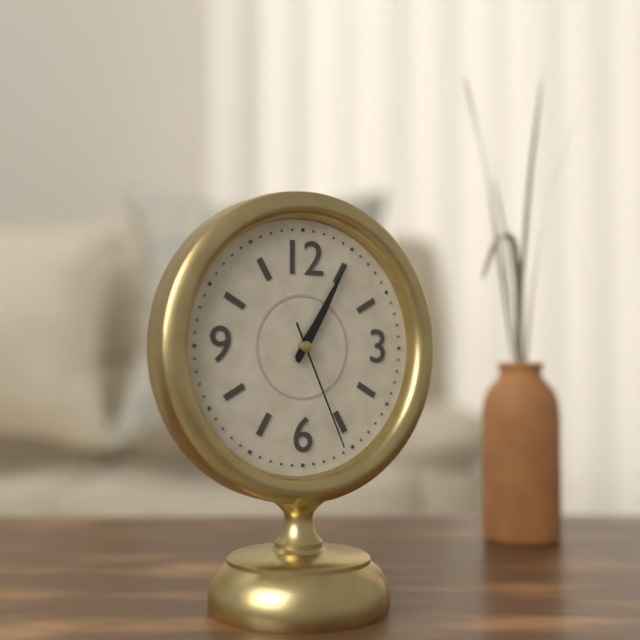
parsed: **1:05:26**
